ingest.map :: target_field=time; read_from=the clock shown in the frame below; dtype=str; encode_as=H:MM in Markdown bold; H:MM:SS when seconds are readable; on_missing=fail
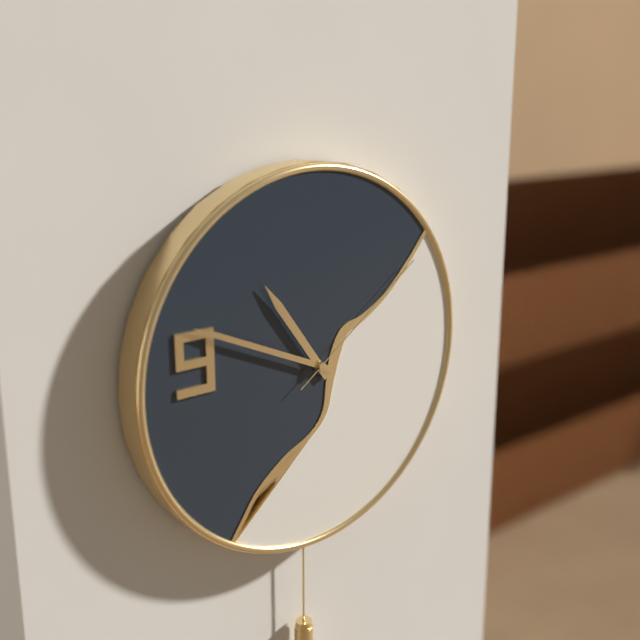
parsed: **10:49:09**
